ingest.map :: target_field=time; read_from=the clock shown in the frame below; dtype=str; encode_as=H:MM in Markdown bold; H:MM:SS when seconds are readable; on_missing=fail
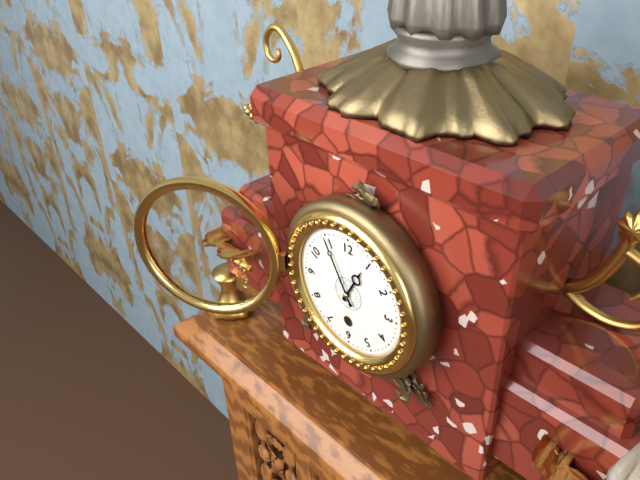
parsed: **12:55**
